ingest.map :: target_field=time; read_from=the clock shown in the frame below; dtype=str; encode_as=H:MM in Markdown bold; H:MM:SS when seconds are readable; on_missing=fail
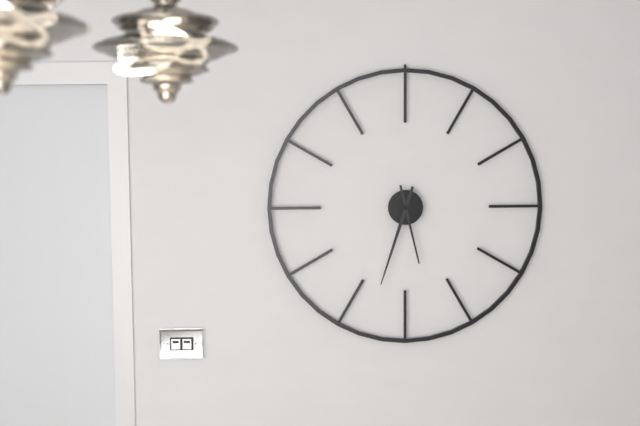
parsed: **5:33**
